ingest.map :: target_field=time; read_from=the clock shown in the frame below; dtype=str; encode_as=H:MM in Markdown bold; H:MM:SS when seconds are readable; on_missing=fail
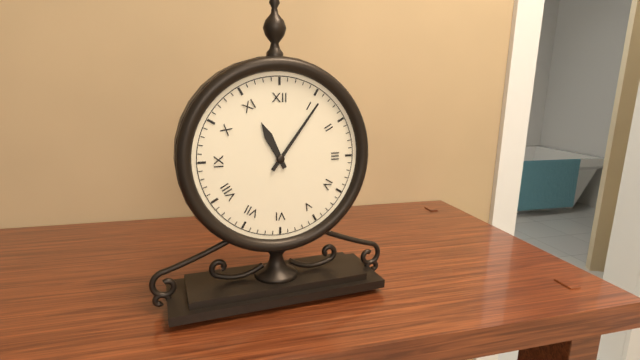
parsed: **11:06**
